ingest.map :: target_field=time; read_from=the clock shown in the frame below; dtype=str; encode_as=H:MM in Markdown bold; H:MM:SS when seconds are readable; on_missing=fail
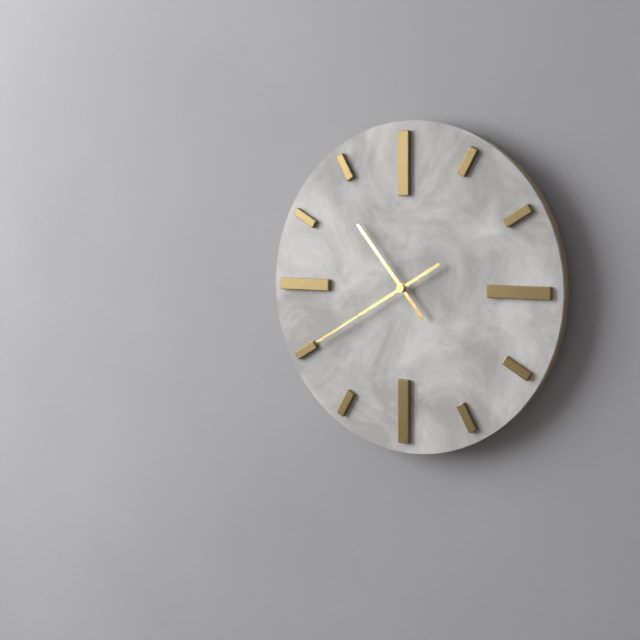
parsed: **10:40**
